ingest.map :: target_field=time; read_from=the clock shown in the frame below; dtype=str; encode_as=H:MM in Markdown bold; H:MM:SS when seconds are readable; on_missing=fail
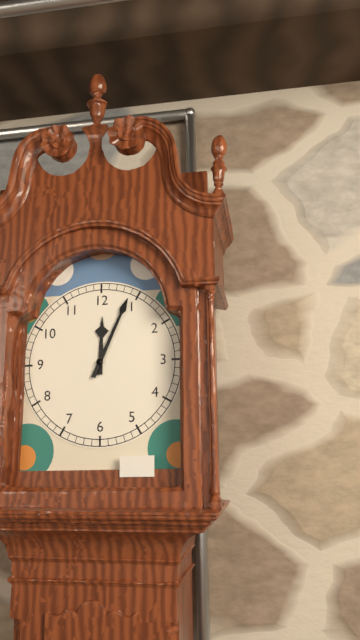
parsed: **12:04**
